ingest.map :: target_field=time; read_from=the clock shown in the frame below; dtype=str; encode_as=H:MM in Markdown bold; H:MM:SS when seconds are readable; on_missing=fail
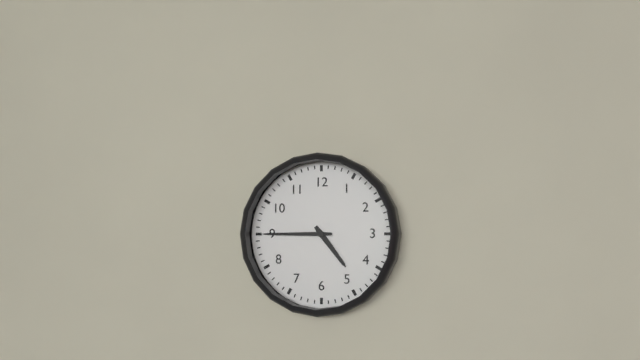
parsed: **4:45**
